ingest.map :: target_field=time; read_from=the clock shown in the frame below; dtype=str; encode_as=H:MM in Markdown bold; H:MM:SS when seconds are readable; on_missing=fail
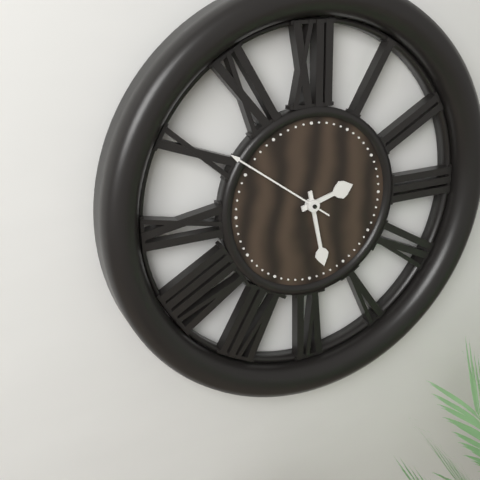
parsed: **2:28:51**
